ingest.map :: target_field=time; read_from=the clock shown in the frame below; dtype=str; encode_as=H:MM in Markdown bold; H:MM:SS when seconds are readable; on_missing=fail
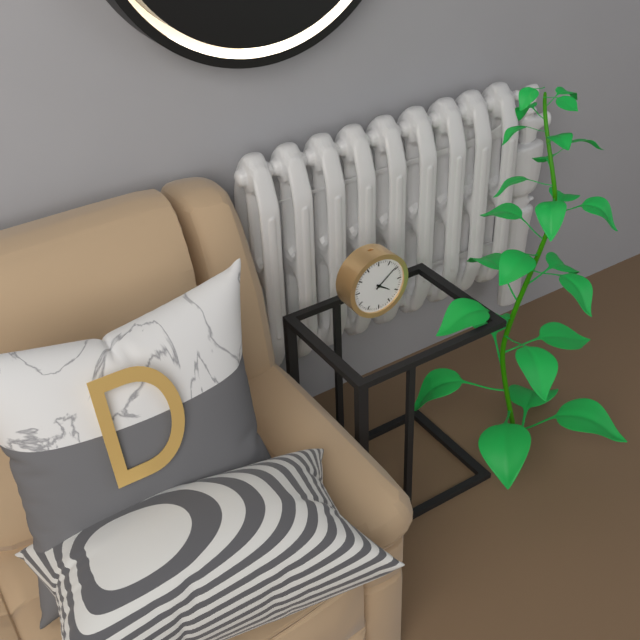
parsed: **4:09**
